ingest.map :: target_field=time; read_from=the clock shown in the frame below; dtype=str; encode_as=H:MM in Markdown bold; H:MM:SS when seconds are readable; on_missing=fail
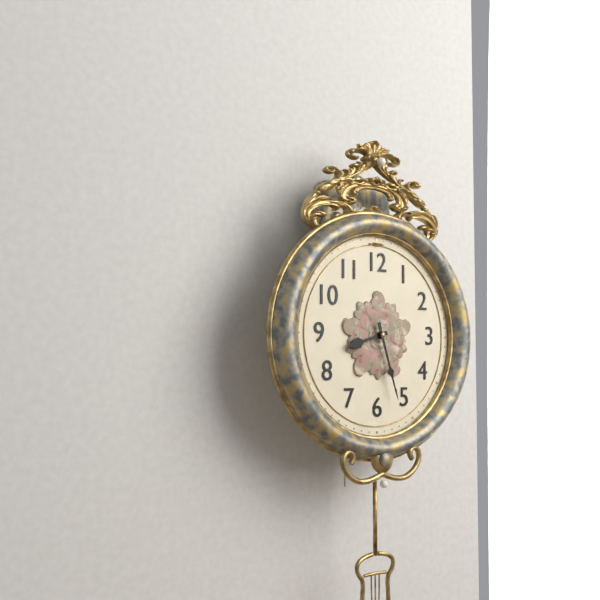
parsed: **8:27**
